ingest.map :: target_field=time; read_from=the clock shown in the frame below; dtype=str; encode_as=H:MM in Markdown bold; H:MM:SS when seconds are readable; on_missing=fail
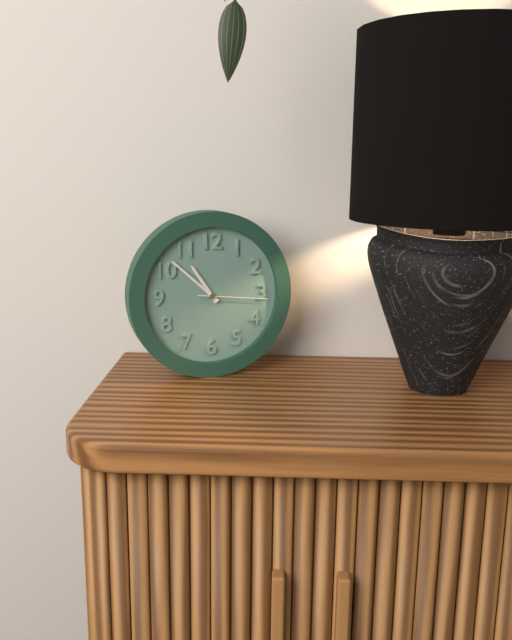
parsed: **10:52:16**
